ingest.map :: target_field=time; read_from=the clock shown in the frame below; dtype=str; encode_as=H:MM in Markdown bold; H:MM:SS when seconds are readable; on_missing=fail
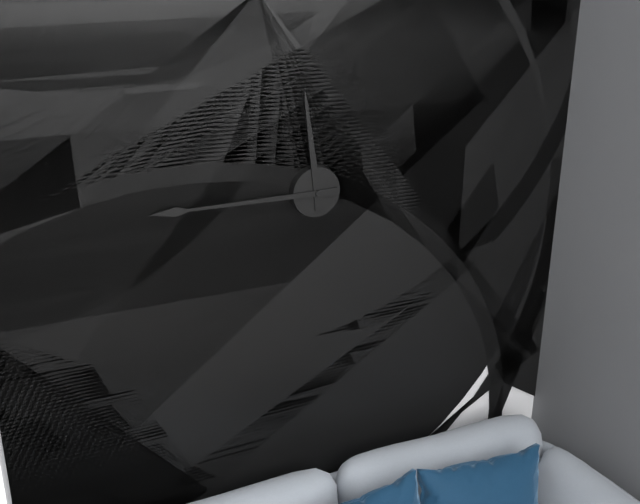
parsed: **11:45**
